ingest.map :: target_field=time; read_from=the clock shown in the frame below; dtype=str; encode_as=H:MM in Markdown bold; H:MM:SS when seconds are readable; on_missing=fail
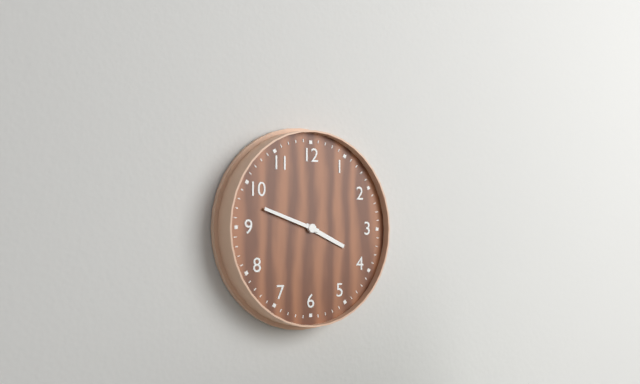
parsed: **3:48**
